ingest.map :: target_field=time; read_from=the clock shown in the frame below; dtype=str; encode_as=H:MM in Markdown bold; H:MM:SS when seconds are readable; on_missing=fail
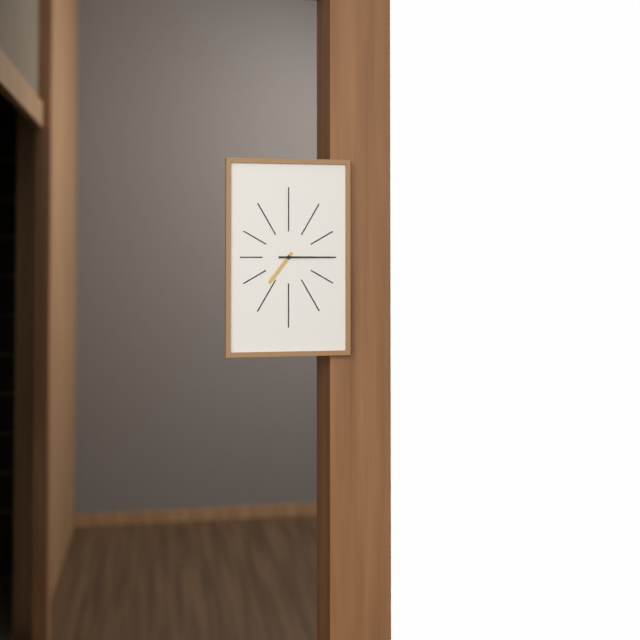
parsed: **7:15**
